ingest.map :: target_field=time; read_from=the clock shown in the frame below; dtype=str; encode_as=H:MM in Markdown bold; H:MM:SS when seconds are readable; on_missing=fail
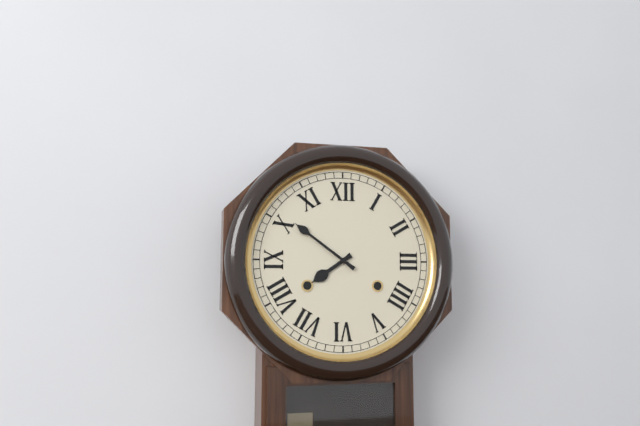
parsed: **7:51**
